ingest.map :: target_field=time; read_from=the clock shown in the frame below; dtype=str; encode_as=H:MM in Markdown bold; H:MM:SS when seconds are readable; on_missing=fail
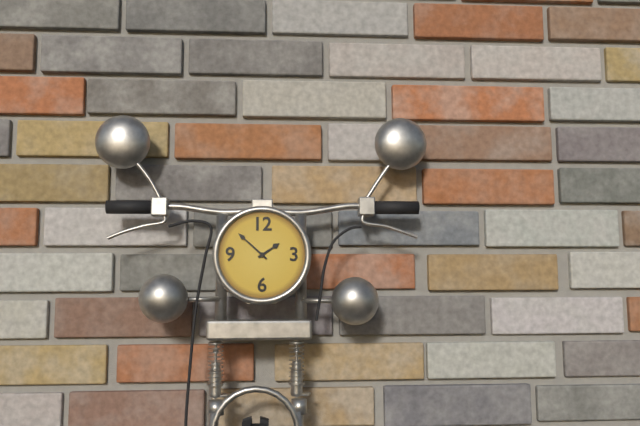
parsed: **1:52**
